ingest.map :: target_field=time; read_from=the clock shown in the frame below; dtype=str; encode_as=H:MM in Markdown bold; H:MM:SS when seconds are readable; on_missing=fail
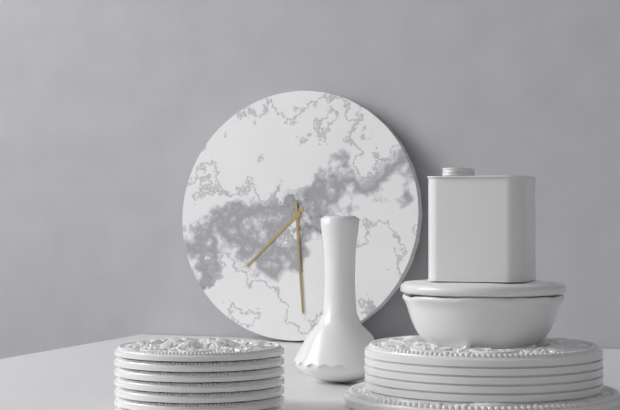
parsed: **7:29**
